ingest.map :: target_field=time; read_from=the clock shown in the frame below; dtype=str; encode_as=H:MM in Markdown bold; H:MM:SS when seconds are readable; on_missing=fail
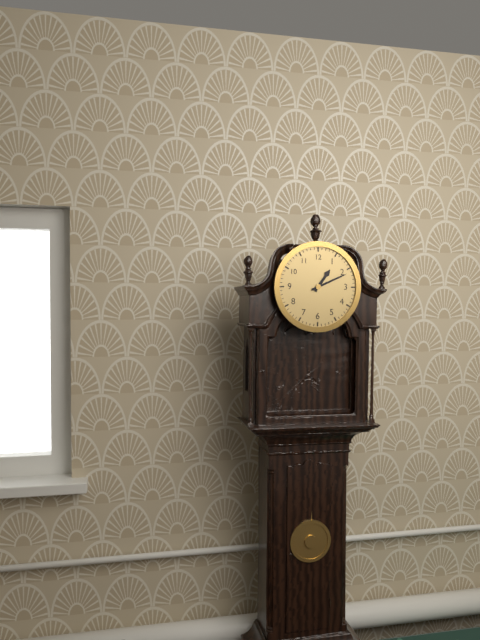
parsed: **1:11**
